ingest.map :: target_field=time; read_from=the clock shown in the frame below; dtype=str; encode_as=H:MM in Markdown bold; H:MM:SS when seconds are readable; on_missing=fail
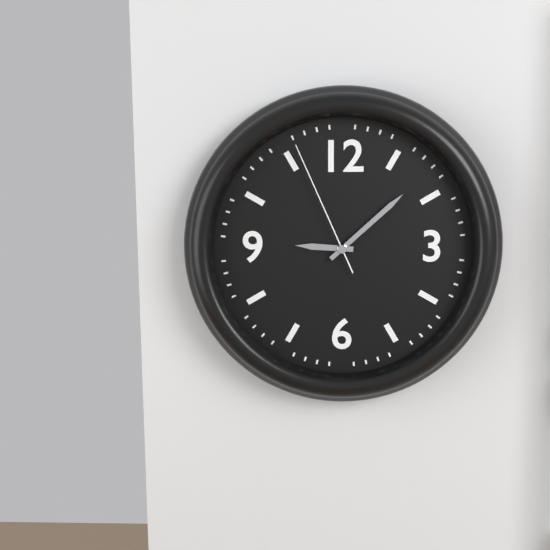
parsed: **9:08:56**
